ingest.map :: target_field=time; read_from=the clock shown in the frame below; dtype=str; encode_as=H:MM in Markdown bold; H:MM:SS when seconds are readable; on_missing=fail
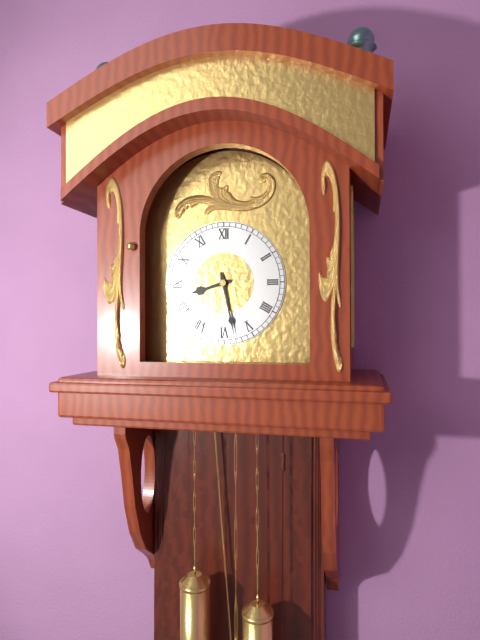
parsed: **8:28**
